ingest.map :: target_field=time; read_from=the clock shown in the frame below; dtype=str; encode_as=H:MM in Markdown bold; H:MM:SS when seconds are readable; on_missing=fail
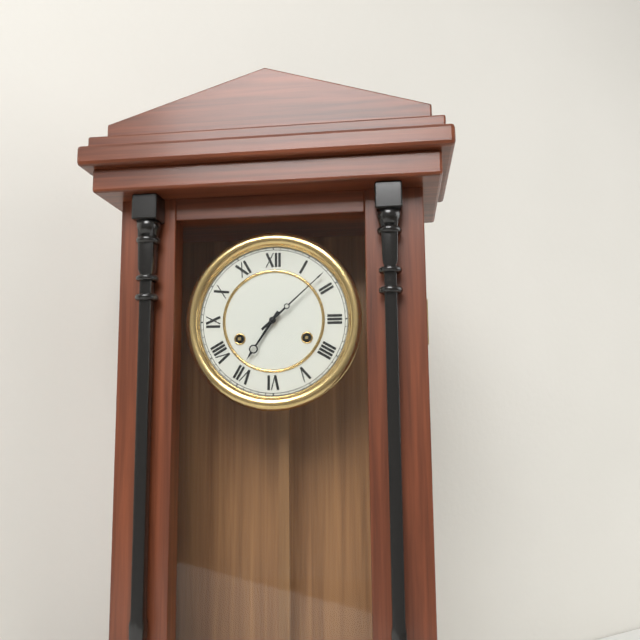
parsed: **7:08**
